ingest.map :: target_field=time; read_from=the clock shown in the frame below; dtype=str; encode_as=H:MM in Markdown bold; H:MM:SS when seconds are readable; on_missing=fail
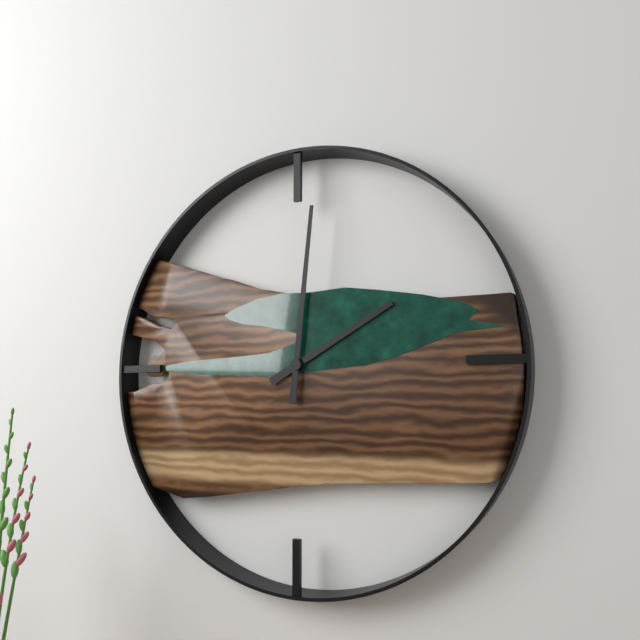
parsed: **2:01**
